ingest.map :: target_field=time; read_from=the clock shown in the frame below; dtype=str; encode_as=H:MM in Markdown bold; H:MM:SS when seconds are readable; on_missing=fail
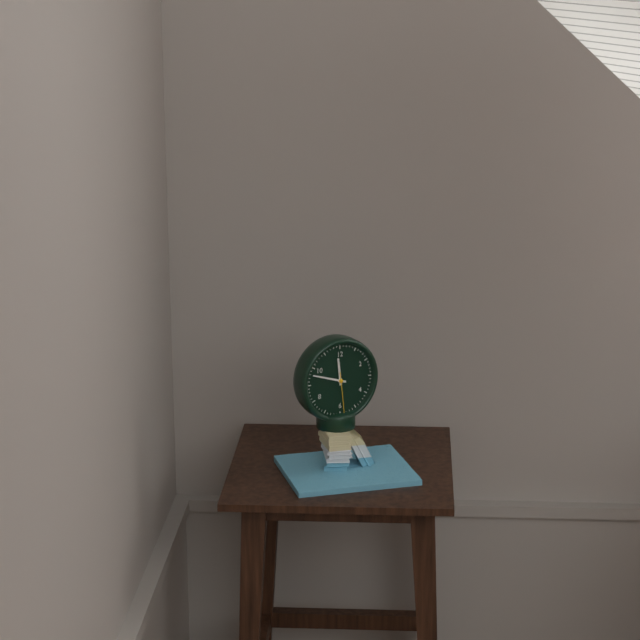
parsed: **11:48**
